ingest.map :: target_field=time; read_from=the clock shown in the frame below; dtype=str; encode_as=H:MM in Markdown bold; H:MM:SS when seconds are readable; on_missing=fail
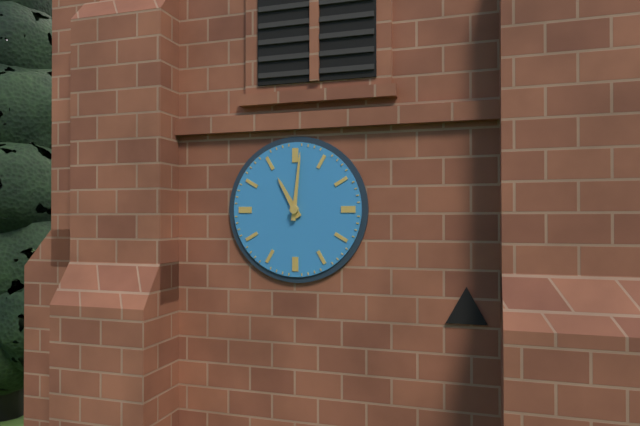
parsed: **11:01**
